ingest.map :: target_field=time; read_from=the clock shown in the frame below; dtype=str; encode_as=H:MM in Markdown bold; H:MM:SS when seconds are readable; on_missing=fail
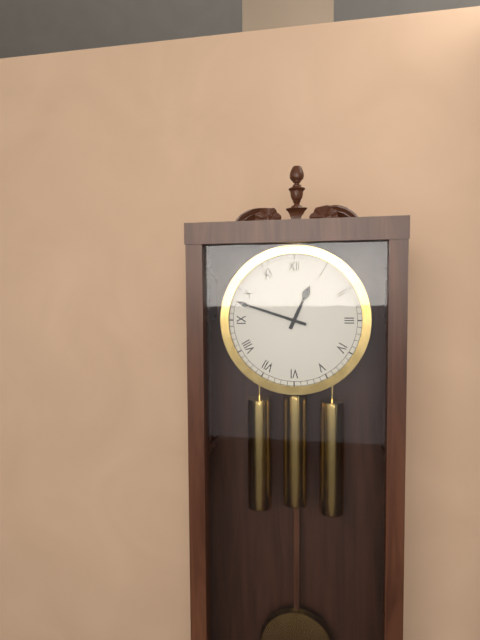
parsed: **12:48**
